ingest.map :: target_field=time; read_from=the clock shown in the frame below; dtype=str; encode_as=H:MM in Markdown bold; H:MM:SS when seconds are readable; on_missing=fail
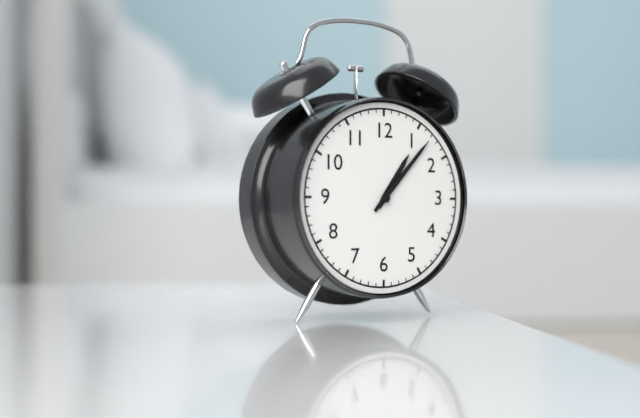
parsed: **1:07**
